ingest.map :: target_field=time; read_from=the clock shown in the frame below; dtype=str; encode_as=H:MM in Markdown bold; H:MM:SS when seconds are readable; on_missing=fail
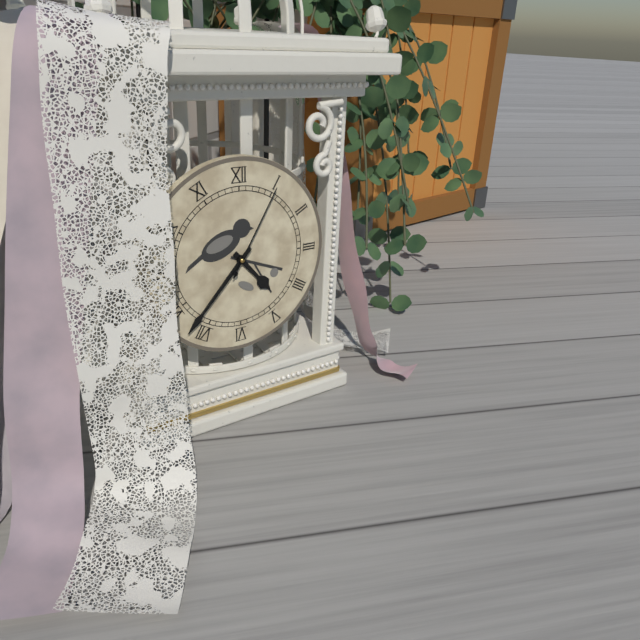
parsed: **4:37:05**
